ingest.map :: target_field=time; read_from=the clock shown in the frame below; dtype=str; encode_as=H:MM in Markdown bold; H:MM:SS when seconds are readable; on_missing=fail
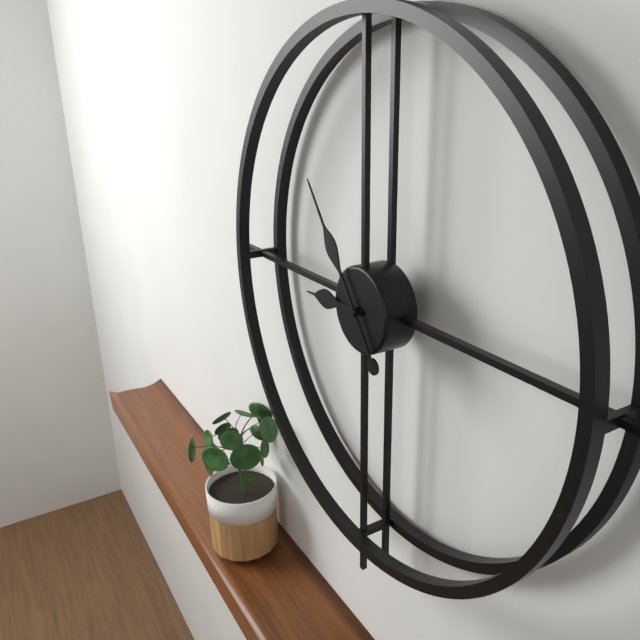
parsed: **8:54**
